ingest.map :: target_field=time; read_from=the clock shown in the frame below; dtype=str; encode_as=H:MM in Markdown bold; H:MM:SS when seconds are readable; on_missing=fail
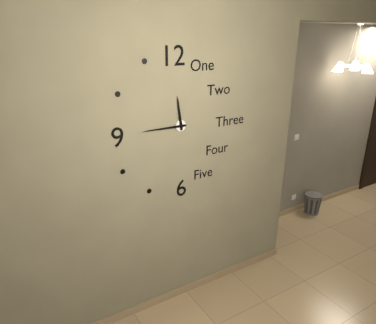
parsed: **11:45**
